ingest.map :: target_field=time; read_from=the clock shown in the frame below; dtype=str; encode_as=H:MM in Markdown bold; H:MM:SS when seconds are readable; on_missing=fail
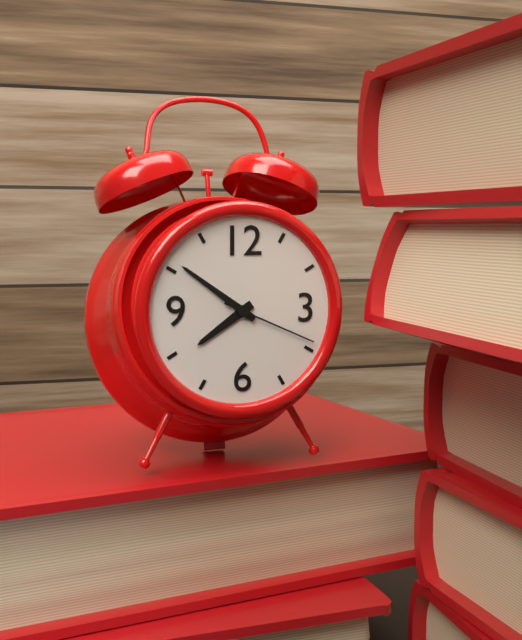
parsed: **7:51:19**
